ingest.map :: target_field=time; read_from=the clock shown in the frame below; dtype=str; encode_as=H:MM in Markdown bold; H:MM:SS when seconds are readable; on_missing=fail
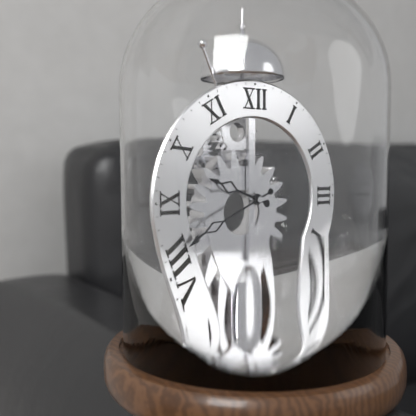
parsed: **9:41**
